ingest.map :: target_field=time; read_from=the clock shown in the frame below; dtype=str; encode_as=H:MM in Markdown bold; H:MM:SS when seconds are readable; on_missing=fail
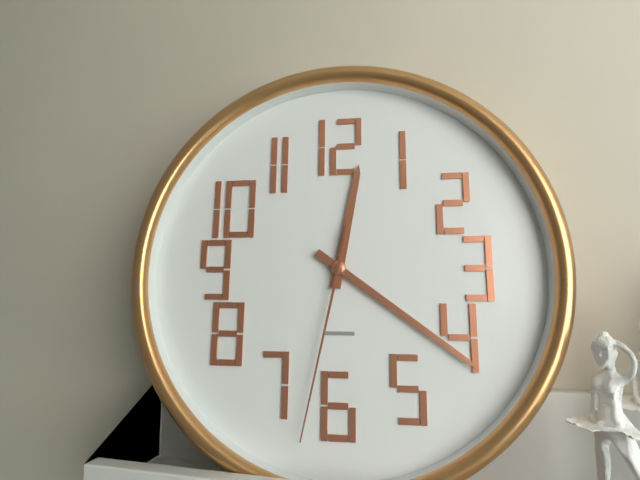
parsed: **12:21:32**
